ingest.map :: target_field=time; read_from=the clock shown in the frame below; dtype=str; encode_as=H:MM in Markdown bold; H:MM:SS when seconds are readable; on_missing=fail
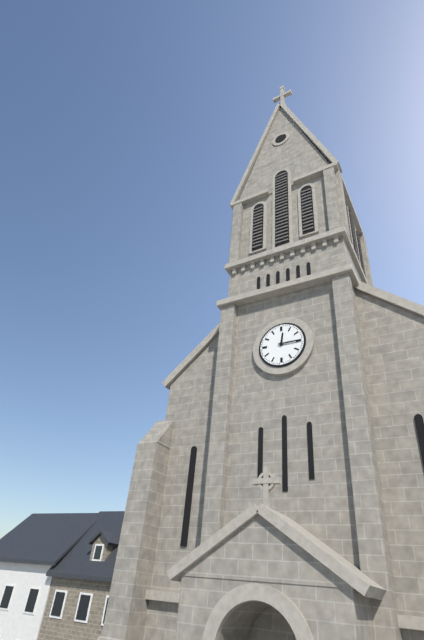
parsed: **12:15**
